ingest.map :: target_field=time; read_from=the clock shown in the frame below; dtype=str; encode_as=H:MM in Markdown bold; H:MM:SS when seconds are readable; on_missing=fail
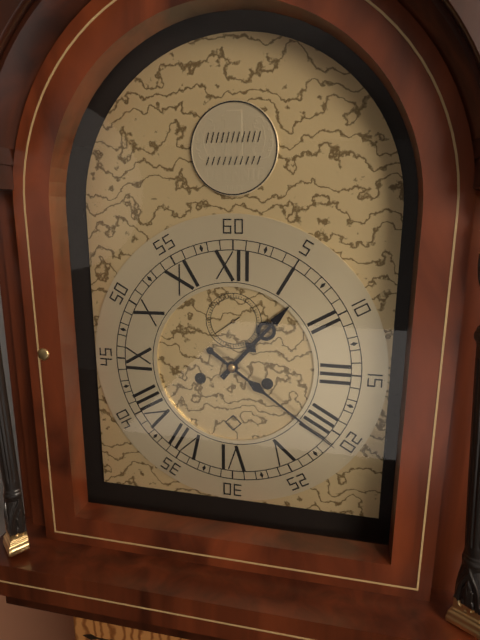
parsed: **1:21**
